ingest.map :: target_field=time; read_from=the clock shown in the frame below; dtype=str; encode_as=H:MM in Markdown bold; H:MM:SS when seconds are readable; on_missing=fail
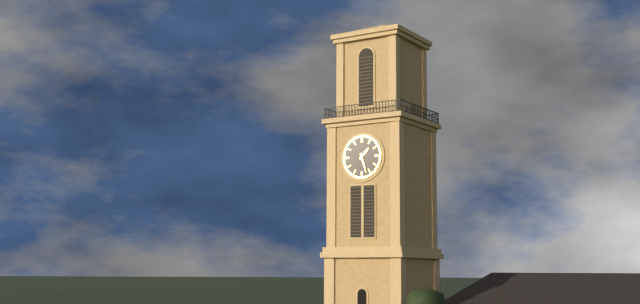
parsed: **1:27**
